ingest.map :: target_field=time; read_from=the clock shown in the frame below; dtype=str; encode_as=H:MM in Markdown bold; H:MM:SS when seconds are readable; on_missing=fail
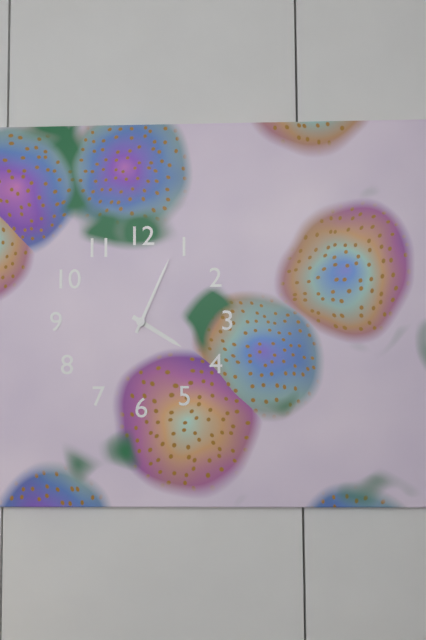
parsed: **4:04**
